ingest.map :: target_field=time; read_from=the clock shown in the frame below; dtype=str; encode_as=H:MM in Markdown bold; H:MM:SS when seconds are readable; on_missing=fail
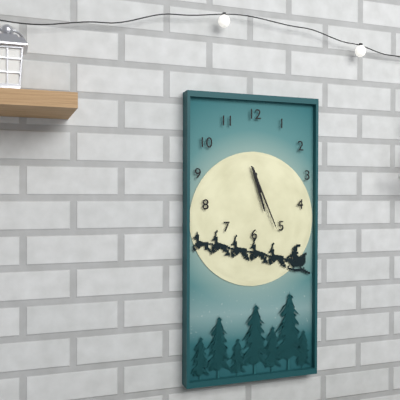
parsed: **5:26**
